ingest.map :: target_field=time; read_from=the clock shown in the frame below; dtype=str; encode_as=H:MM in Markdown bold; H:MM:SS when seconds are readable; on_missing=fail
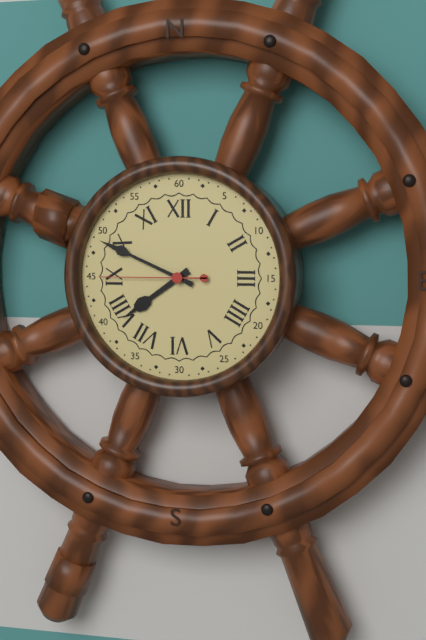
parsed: **7:49:45**
